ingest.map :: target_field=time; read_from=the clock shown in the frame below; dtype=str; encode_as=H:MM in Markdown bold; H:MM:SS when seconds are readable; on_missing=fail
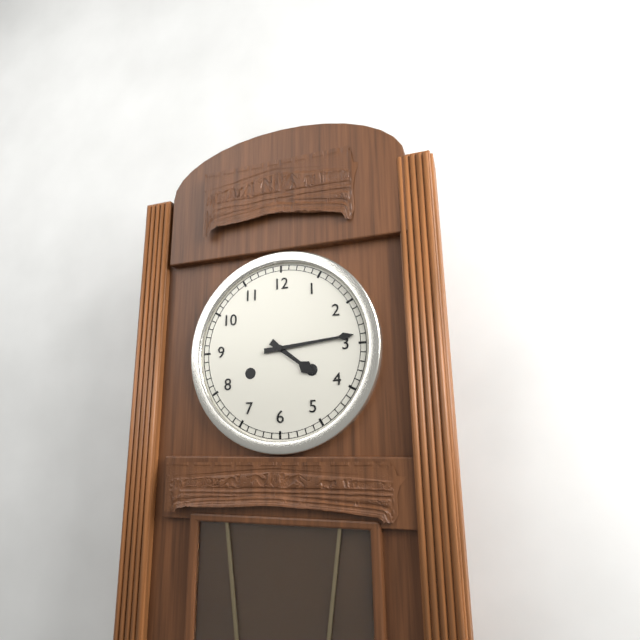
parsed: **4:14**
